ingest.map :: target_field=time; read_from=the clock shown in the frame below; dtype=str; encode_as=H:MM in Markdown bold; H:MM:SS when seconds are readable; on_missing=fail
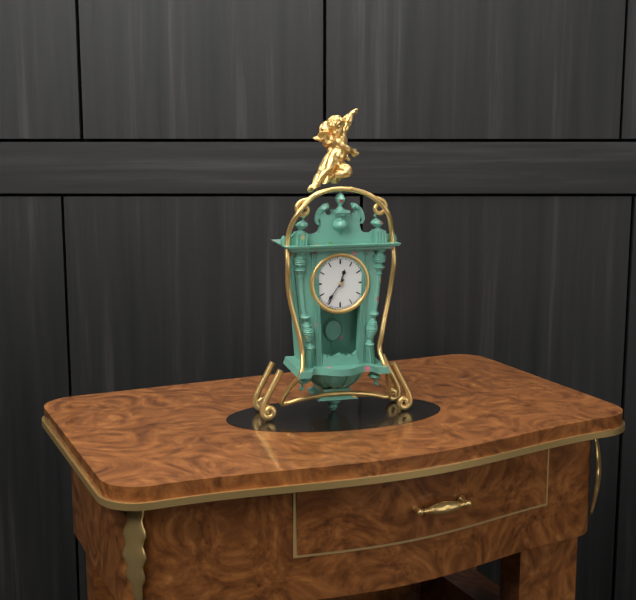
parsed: **12:36**
